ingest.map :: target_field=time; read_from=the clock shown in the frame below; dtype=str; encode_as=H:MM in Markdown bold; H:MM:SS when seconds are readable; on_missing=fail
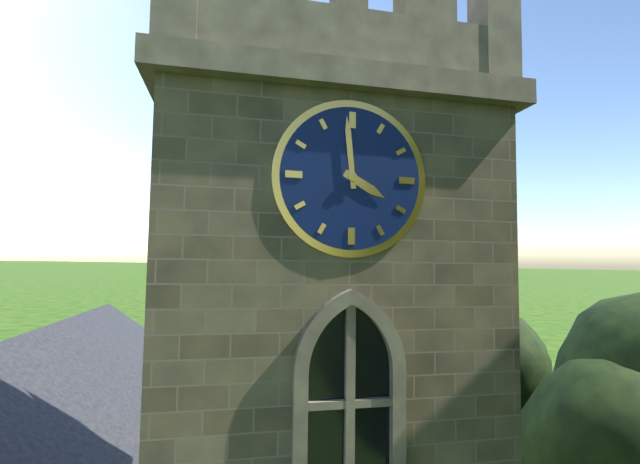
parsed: **3:59**
